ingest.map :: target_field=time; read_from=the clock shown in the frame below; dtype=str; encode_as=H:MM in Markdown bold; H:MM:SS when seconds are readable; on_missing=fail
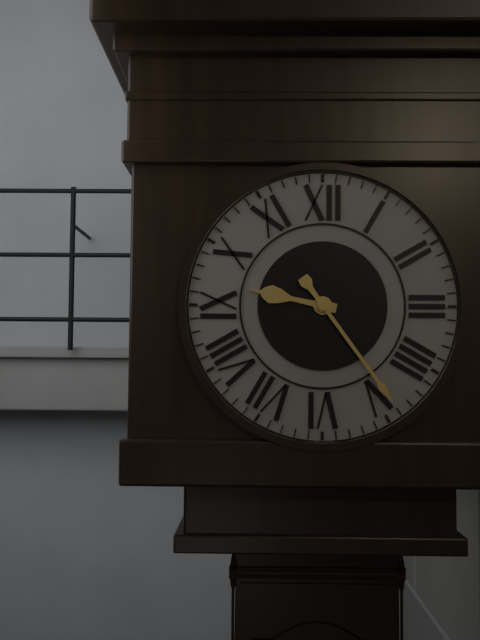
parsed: **9:24**
